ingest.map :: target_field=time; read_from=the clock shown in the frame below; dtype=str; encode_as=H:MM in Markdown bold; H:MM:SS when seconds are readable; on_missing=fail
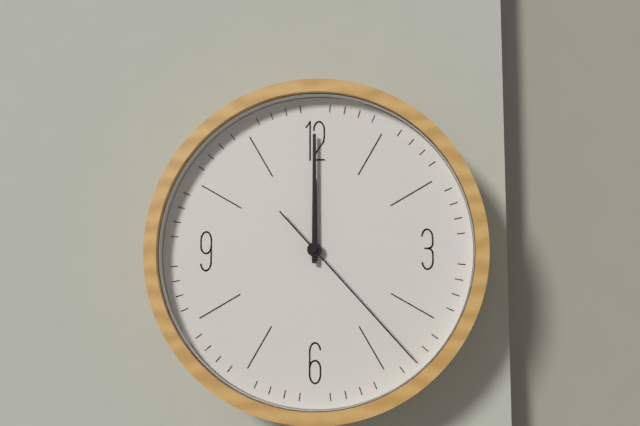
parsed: **12:00:23**
